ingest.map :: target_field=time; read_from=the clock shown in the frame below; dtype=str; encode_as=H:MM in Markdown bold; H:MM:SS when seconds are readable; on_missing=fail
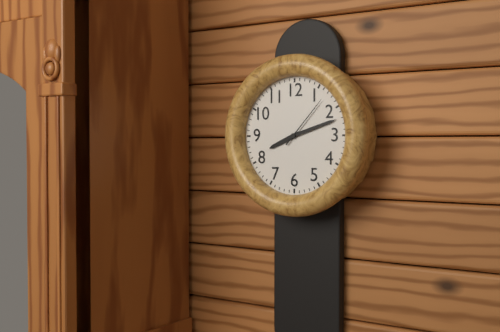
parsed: **8:12:07**
